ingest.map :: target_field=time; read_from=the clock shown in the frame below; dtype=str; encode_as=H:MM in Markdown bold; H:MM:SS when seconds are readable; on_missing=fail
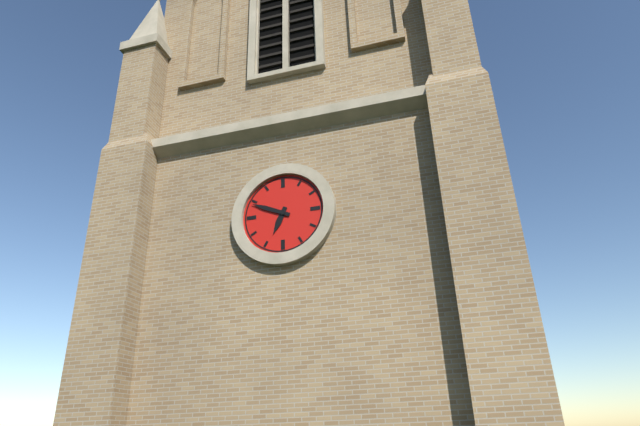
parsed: **6:49**
